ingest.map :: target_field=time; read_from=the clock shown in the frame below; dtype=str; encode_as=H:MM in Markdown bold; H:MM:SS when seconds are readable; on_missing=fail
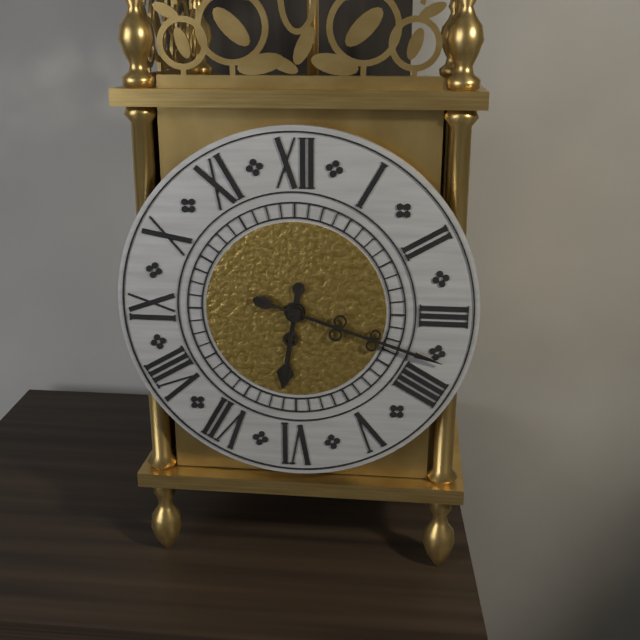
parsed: **6:18**
